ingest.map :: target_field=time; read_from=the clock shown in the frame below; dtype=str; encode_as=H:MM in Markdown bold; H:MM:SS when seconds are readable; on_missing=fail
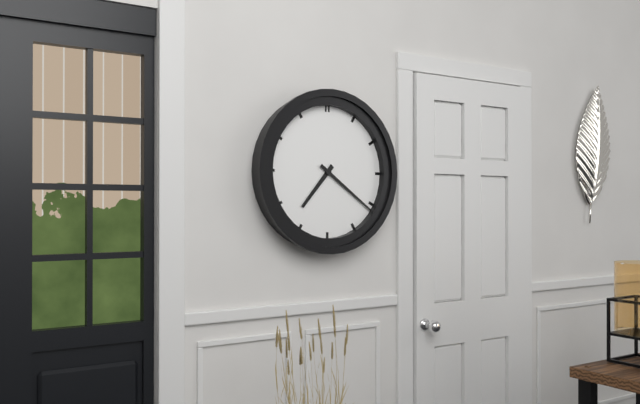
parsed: **7:21**
